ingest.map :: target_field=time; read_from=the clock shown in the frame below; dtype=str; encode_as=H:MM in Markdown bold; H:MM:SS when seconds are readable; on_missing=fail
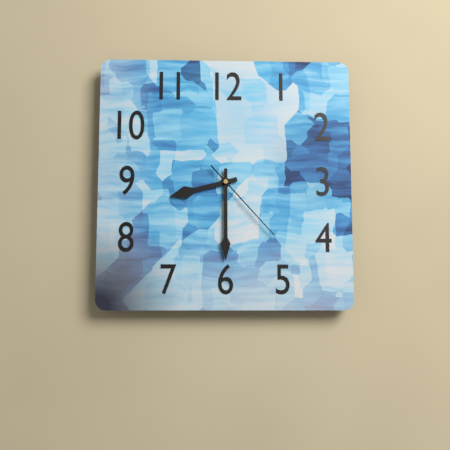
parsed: **8:30:23**
